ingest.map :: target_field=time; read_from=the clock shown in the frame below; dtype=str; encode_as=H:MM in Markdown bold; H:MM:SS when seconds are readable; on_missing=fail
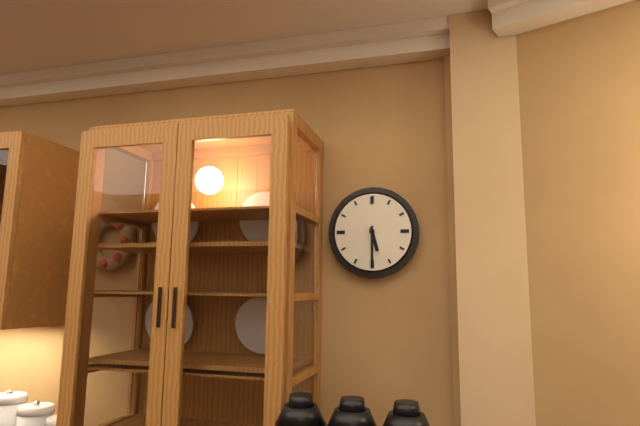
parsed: **5:30**
